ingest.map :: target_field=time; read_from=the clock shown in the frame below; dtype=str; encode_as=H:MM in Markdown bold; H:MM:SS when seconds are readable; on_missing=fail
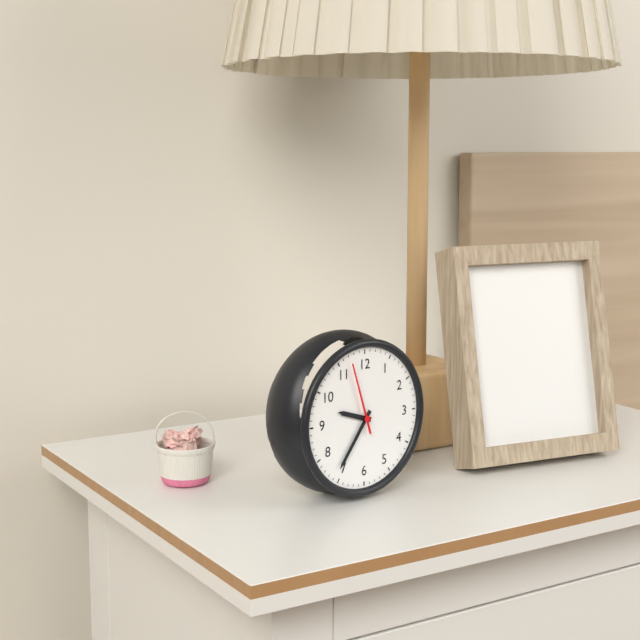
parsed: **9:36:57**
